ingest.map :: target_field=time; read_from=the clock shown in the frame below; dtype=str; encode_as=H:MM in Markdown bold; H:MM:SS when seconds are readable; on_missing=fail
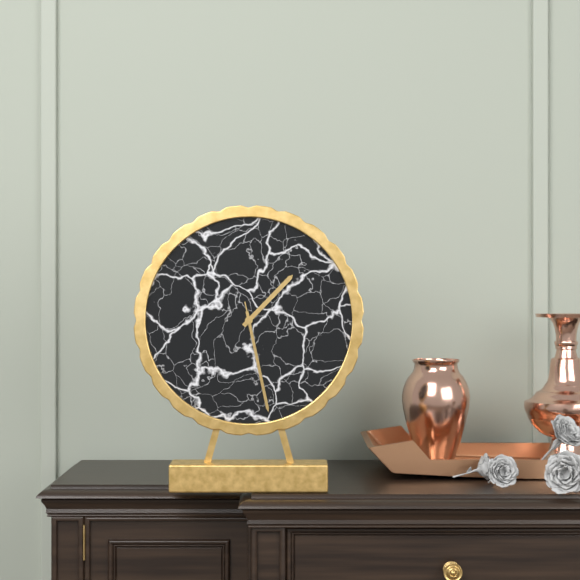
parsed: **1:28:28**
